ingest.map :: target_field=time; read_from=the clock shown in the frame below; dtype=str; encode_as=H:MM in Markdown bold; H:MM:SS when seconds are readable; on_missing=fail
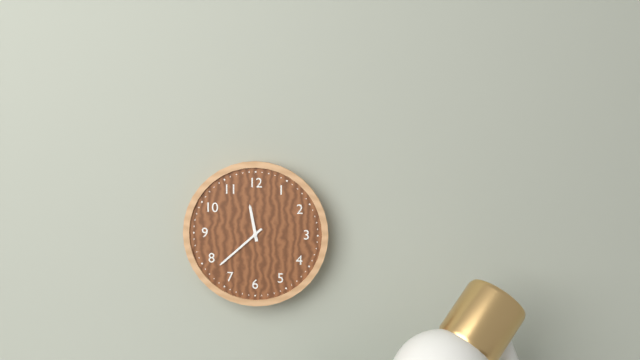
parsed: **11:38**
